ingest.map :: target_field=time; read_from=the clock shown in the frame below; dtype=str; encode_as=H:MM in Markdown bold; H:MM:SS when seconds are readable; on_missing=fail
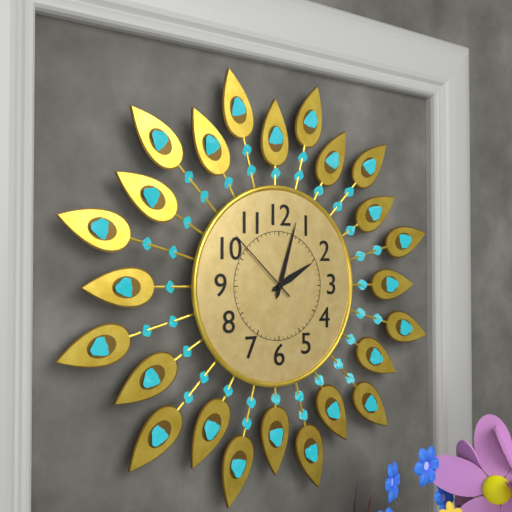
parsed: **2:03:52**
